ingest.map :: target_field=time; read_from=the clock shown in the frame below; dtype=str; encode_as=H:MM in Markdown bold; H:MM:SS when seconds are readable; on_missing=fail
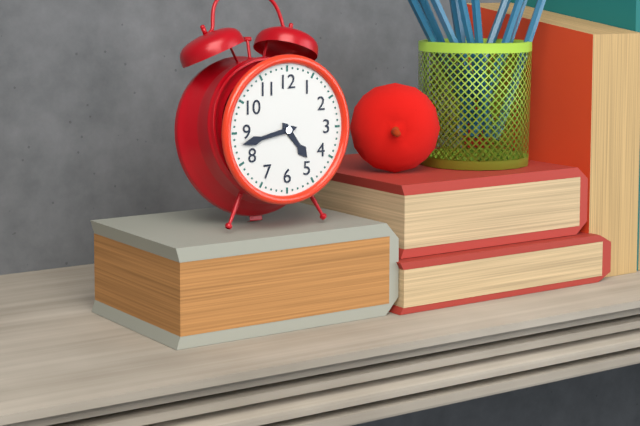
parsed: **4:43**
